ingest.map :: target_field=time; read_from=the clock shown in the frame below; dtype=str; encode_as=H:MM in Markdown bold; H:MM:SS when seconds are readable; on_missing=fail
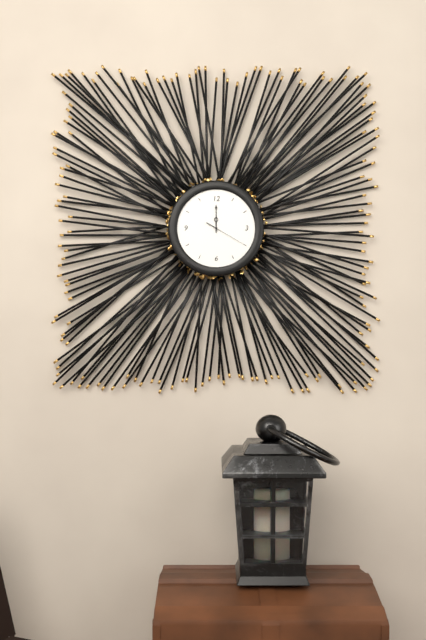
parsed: **12:00**
